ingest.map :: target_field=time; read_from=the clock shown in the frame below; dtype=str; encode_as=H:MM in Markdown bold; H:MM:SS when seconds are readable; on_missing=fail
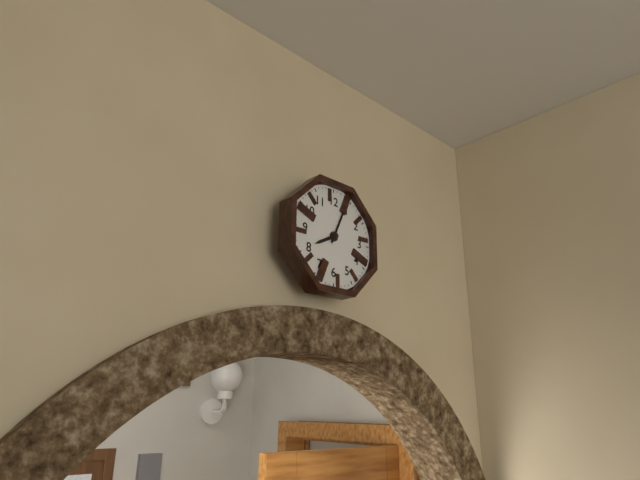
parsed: **8:04**
